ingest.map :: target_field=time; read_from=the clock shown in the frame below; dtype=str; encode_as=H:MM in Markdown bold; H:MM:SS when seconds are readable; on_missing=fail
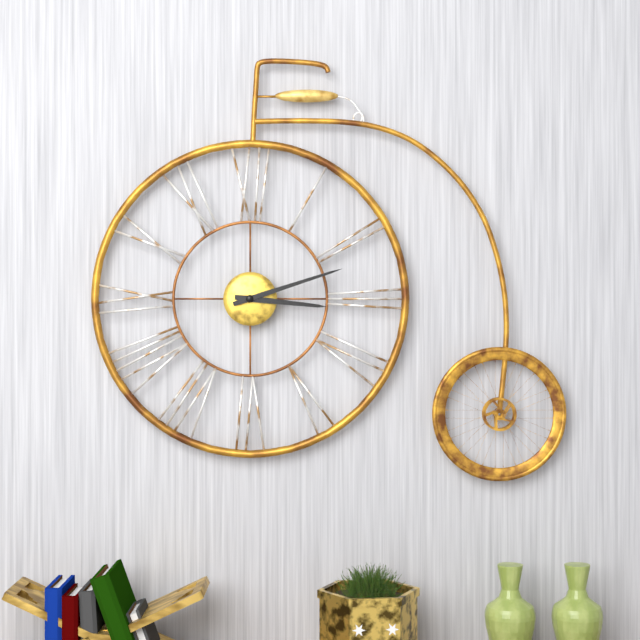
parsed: **3:12**
